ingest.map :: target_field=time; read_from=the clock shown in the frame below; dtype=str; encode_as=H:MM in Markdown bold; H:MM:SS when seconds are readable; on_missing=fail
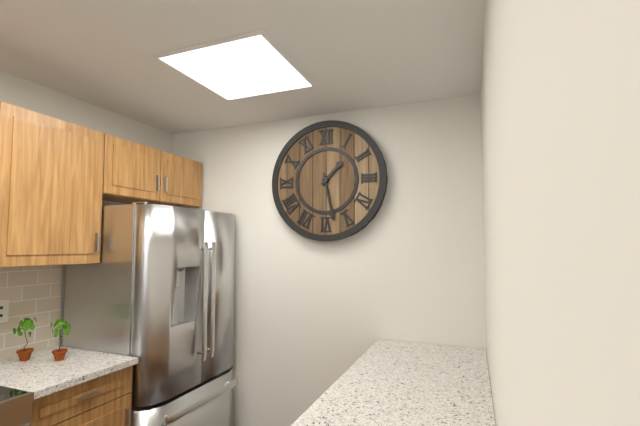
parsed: **1:28**
